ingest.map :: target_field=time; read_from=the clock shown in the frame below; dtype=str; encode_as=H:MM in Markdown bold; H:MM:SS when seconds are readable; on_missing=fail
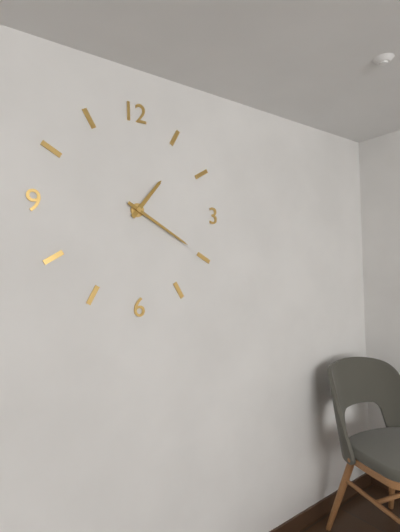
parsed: **1:20**
